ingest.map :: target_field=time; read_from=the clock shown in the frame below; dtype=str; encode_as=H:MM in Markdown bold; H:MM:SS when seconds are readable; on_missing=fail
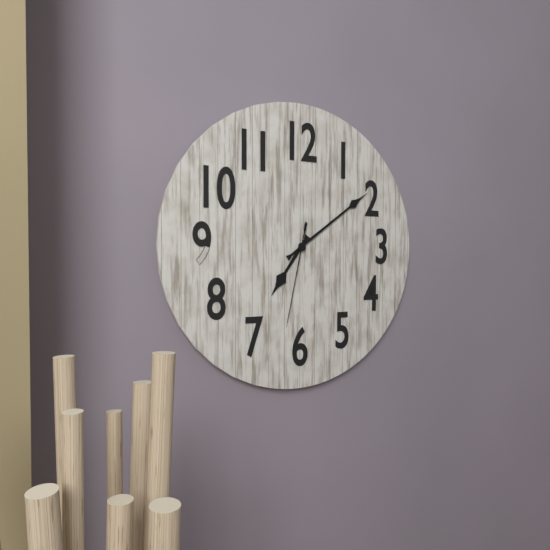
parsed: **7:09:32**
